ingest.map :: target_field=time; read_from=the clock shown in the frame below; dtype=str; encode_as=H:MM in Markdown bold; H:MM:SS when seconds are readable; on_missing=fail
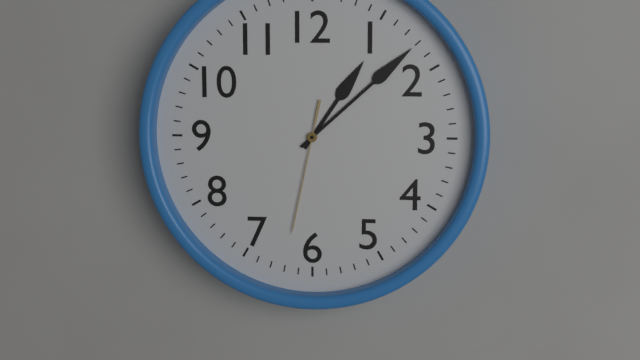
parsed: **1:08:32**
